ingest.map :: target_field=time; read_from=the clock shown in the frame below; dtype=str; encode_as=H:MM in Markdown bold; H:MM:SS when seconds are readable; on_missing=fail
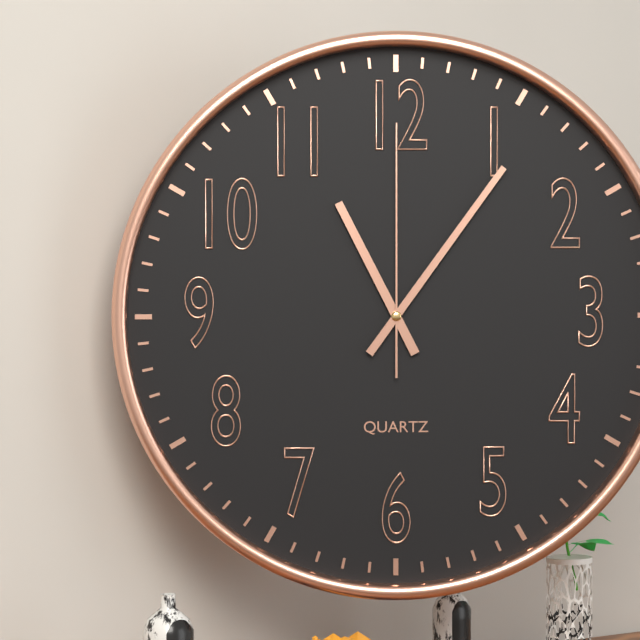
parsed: **11:06:00**
